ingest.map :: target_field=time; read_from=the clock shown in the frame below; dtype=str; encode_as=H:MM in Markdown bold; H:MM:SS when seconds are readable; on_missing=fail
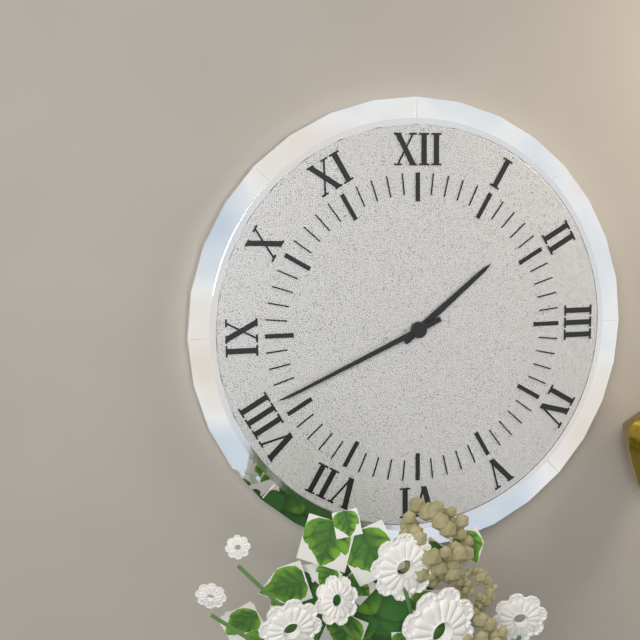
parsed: **1:41**
